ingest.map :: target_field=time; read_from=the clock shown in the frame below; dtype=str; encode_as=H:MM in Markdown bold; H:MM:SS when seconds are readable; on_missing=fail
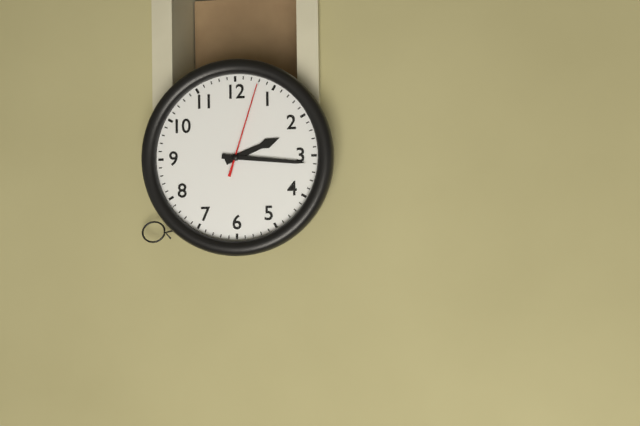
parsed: **2:16:03**
